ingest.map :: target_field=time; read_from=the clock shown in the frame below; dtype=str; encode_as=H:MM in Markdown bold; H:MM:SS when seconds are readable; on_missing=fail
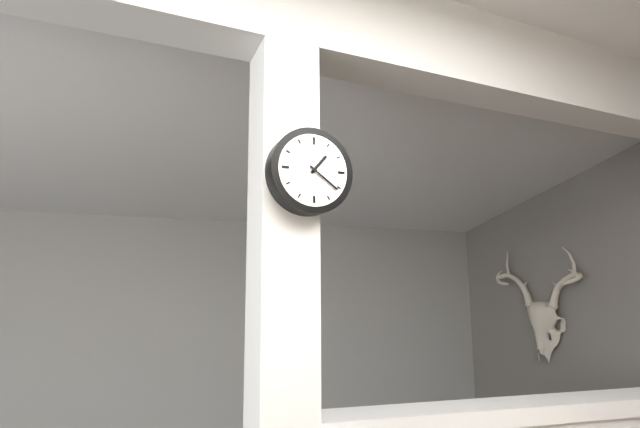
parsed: **1:21**
